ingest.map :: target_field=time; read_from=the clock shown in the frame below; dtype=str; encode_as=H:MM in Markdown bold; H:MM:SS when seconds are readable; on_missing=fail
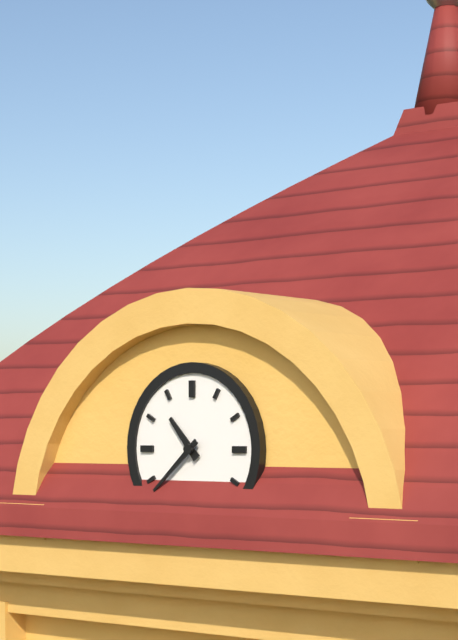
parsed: **10:38**
